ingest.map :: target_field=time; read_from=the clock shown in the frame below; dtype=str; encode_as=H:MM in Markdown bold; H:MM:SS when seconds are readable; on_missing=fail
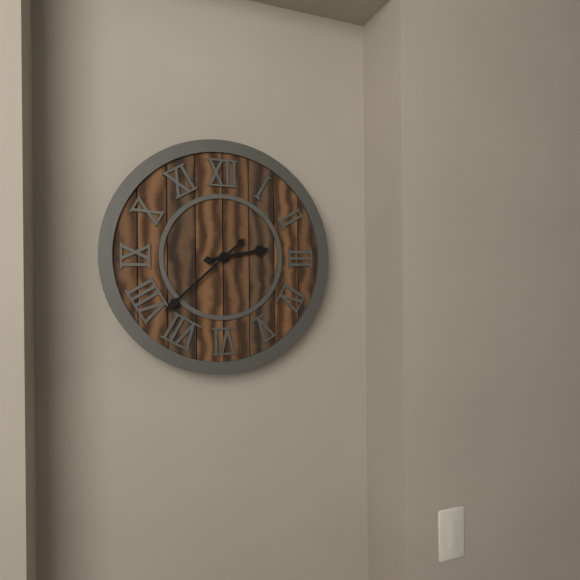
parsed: **2:38**
